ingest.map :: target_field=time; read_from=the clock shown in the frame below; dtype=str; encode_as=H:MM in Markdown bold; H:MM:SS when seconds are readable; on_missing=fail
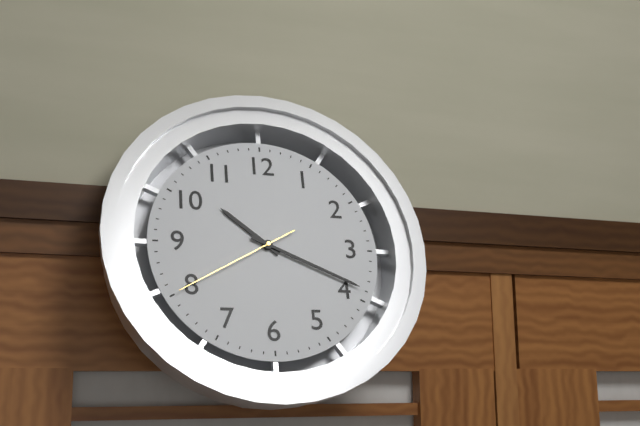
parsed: **10:19:40**
